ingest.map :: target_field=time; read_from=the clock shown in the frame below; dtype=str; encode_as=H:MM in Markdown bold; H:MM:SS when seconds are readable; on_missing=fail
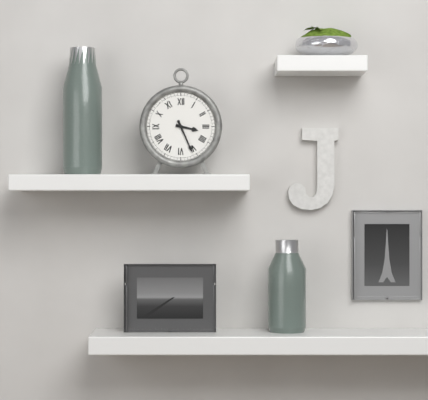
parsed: **3:26**
